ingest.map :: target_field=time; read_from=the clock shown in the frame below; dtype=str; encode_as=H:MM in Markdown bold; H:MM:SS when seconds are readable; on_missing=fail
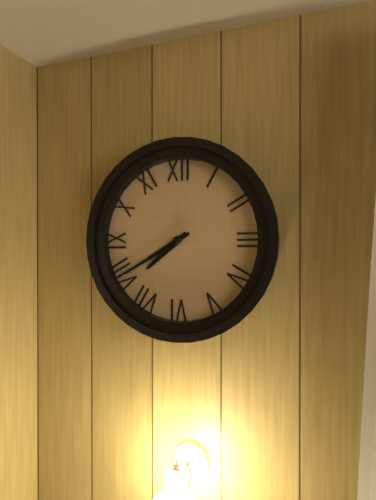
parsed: **7:40**
